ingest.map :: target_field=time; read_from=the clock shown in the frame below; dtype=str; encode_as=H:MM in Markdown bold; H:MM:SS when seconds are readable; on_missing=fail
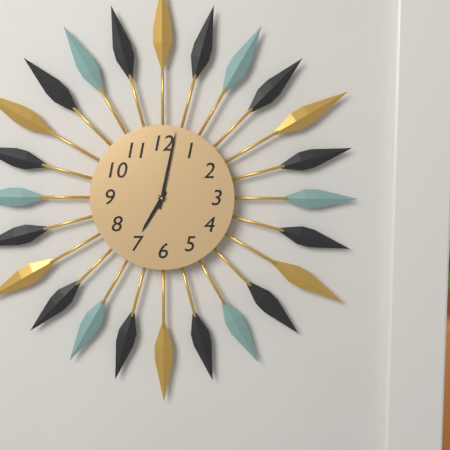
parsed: **7:02**
